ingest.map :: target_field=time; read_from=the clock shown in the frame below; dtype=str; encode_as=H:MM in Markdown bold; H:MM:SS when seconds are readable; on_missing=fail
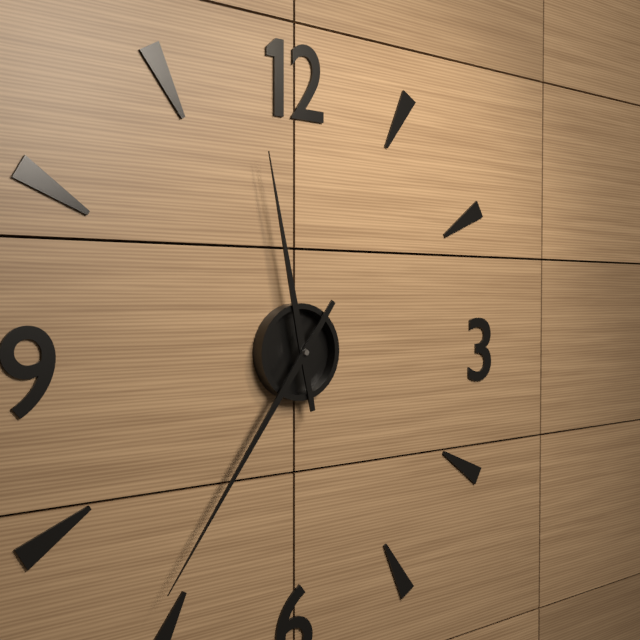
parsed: **11:36**
